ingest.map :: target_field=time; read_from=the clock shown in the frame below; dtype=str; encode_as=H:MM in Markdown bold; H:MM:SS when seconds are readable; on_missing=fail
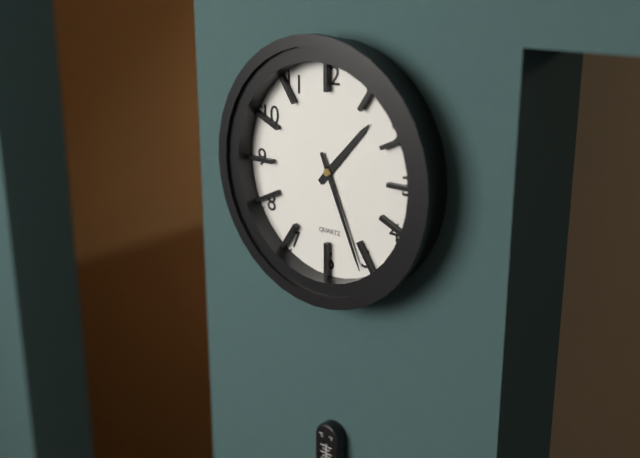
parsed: **1:26**
